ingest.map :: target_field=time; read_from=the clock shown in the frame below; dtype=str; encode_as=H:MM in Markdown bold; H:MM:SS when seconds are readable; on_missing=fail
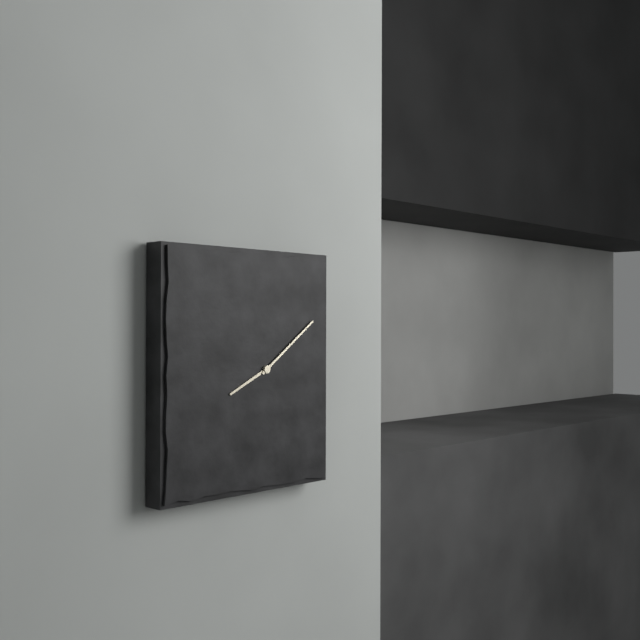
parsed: **8:09**
